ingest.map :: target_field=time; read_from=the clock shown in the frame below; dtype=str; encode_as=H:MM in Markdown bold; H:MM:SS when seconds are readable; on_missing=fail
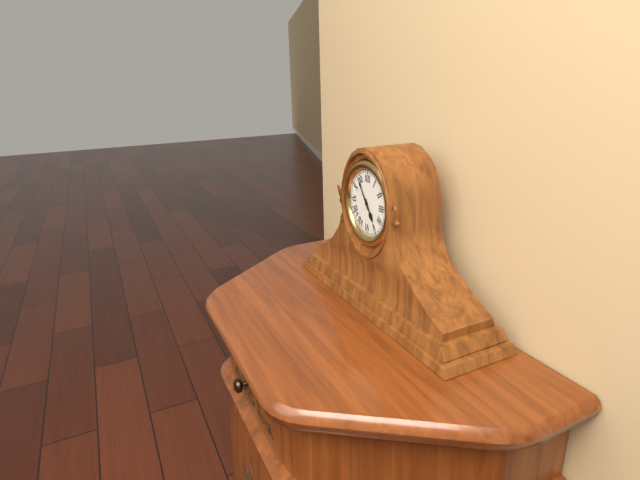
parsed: **4:54**
